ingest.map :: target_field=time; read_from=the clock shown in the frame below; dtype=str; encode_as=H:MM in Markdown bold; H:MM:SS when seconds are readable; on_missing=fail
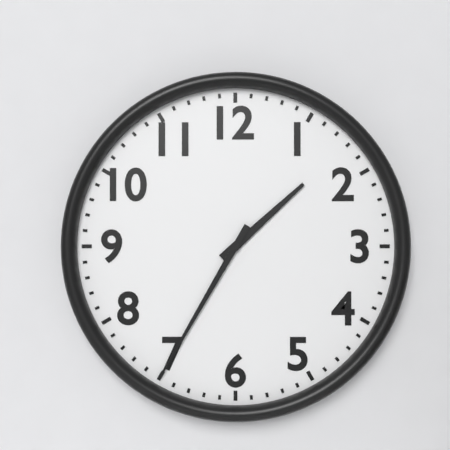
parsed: **1:35**
